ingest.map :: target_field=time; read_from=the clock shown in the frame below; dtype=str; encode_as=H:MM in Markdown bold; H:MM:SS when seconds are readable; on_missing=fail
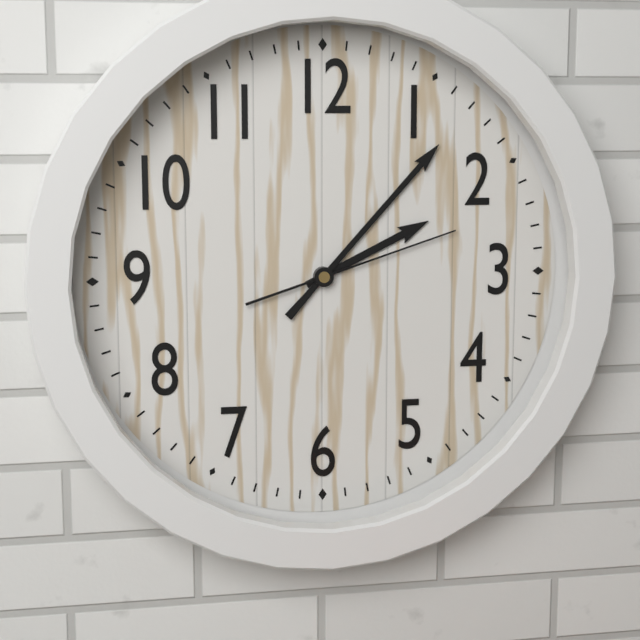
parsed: **2:07:12**
